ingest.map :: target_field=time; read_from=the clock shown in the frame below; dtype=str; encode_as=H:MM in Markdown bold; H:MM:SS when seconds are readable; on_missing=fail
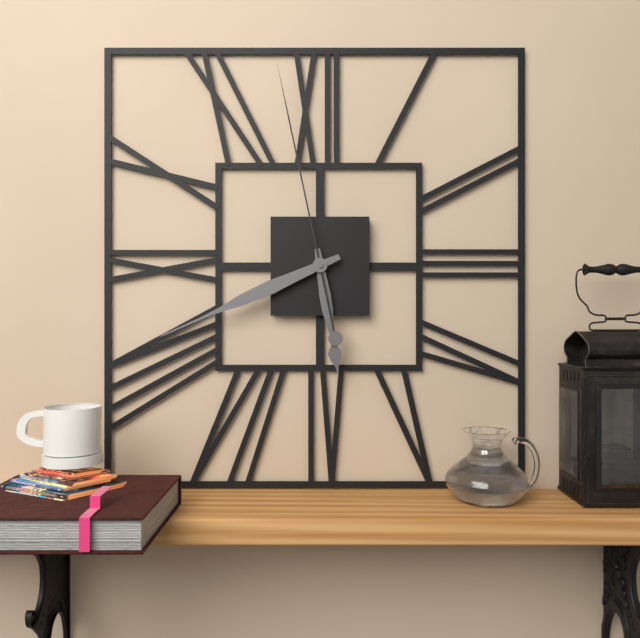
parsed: **5:41:58**
